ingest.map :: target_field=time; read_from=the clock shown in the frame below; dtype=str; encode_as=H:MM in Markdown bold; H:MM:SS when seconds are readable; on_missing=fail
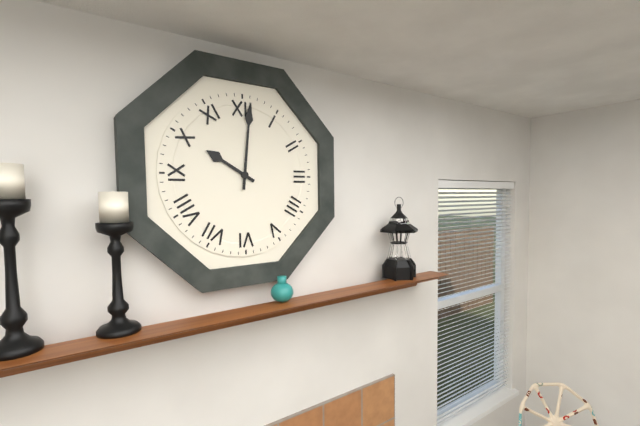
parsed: **10:01**
